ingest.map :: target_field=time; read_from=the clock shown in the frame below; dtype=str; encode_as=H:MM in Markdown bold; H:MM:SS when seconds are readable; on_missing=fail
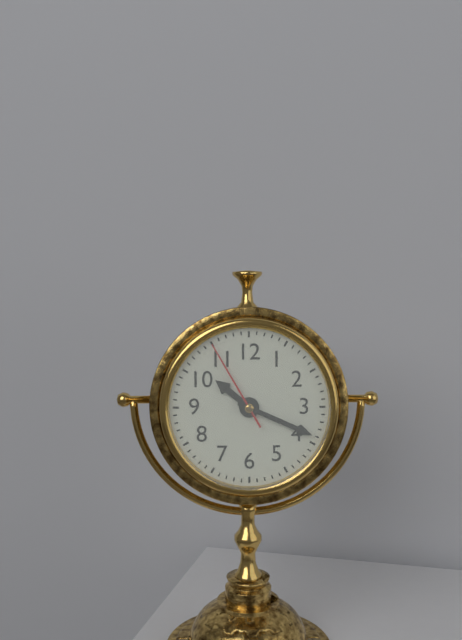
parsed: **10:19:55**
